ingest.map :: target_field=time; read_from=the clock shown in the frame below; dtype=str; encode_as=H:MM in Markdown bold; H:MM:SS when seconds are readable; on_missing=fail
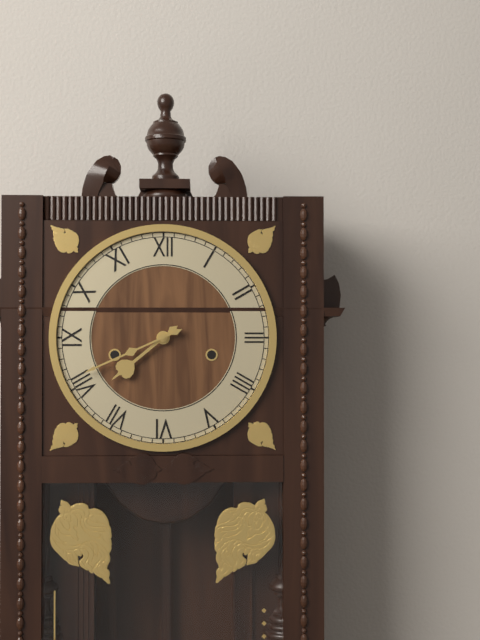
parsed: **7:41**
